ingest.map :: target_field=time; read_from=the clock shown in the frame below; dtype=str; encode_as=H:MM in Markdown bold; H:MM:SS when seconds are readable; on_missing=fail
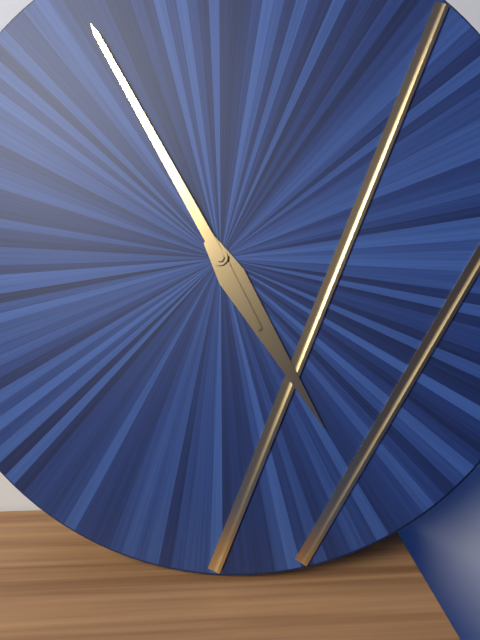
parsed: **4:55**
